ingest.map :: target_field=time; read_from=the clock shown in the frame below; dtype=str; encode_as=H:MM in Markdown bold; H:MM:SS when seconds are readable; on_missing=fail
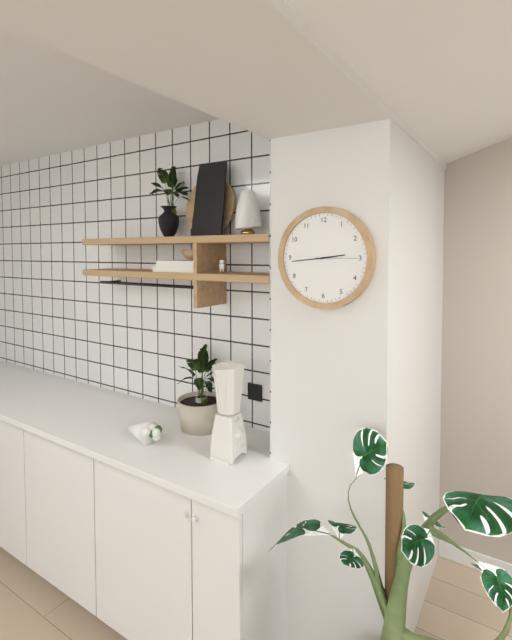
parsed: **2:44**
